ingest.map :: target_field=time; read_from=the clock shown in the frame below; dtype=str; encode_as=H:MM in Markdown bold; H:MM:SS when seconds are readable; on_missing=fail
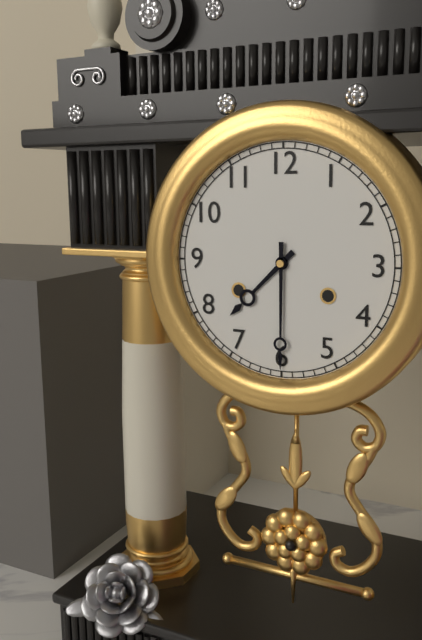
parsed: **7:30**
